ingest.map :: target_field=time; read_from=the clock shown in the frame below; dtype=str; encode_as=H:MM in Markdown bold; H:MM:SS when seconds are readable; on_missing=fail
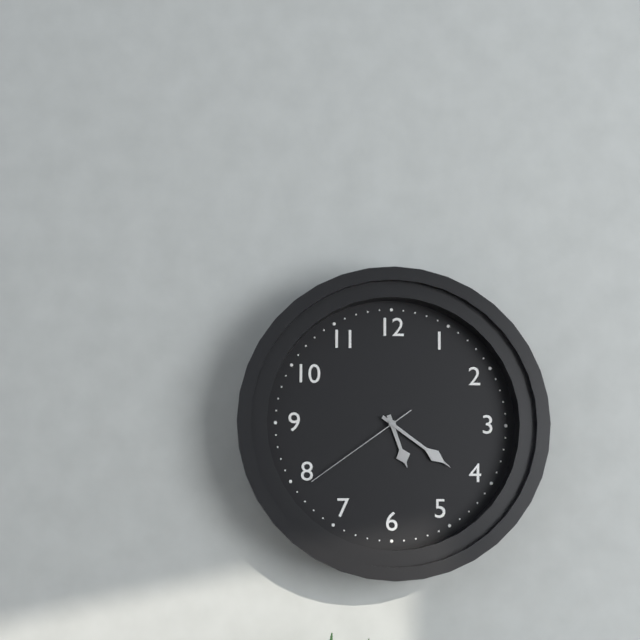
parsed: **5:21:39**
